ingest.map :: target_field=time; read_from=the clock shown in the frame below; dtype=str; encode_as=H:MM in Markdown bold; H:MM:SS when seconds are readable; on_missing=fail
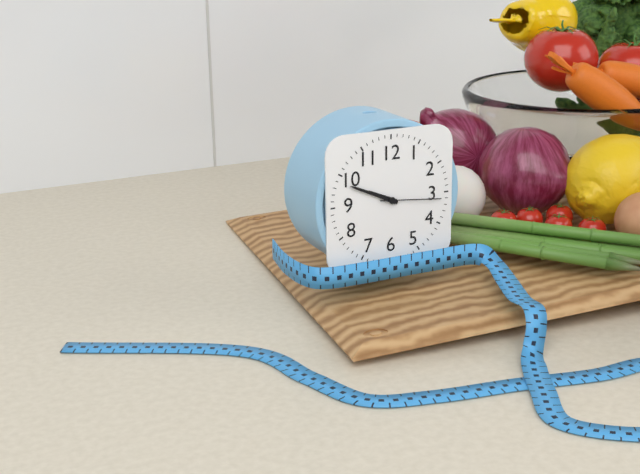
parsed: **9:49:16**
